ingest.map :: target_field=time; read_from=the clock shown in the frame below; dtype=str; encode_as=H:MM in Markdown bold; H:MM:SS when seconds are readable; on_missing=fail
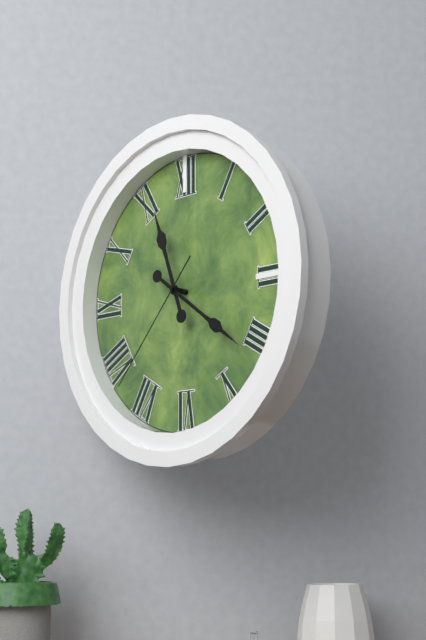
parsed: **11:21:37**
